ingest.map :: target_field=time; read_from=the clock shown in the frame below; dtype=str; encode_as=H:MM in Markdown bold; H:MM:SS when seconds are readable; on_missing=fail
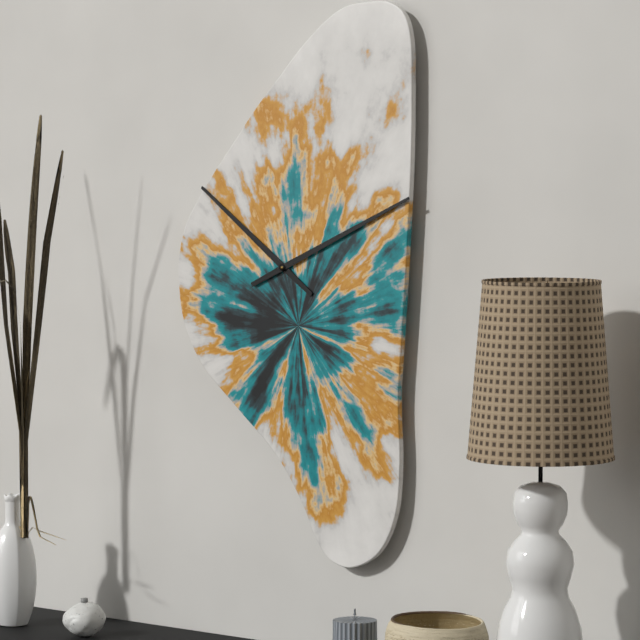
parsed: **10:11**
